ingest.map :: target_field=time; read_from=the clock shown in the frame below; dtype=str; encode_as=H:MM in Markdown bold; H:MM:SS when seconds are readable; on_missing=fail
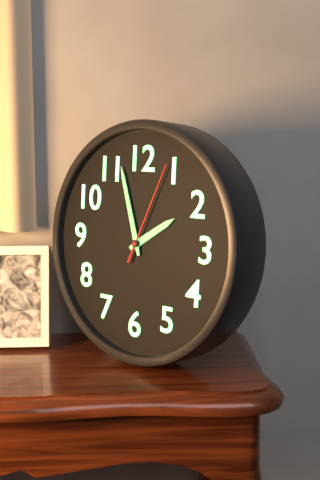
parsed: **1:57:04**
